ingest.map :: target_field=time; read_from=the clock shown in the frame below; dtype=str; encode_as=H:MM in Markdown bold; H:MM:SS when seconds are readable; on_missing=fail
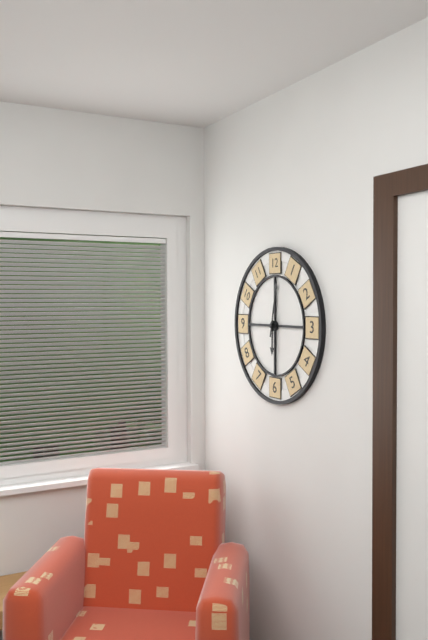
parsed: **6:02**
